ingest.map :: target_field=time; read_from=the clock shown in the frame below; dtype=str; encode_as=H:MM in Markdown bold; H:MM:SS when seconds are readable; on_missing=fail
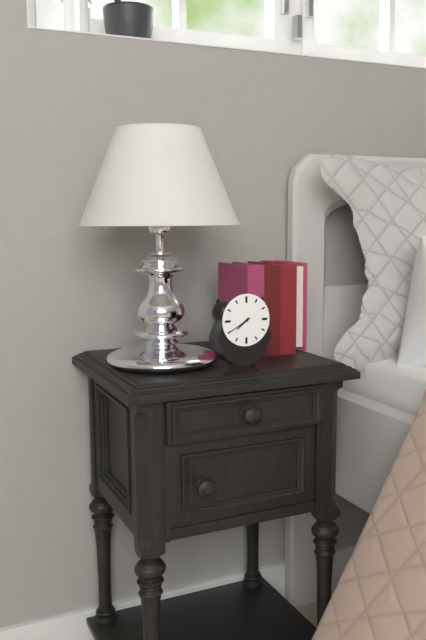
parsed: **7:40**
